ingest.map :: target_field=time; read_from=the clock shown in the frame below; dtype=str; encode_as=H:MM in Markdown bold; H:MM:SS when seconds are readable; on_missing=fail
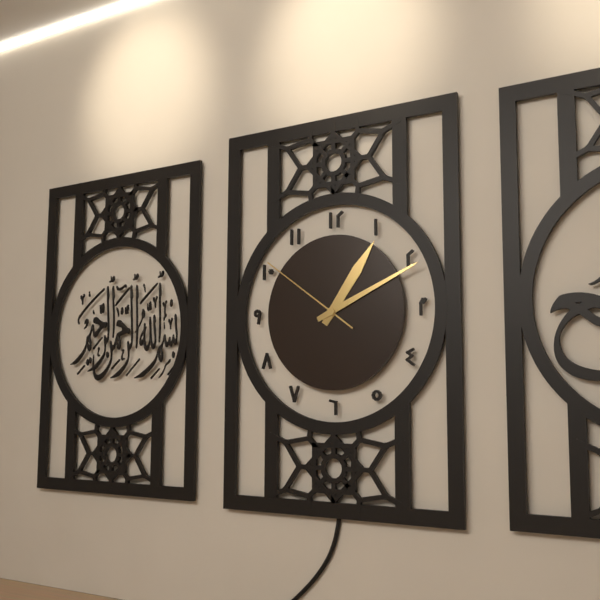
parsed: **1:11:51**
